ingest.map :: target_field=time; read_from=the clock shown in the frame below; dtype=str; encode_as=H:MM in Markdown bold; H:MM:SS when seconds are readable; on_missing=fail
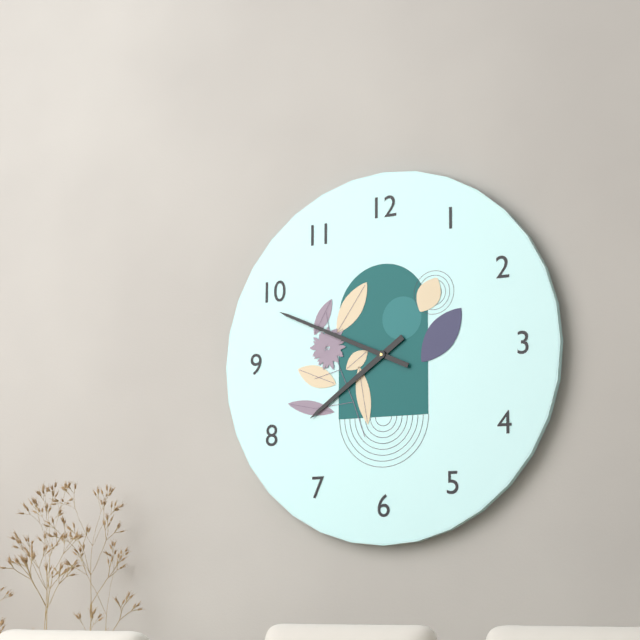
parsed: **7:49**
